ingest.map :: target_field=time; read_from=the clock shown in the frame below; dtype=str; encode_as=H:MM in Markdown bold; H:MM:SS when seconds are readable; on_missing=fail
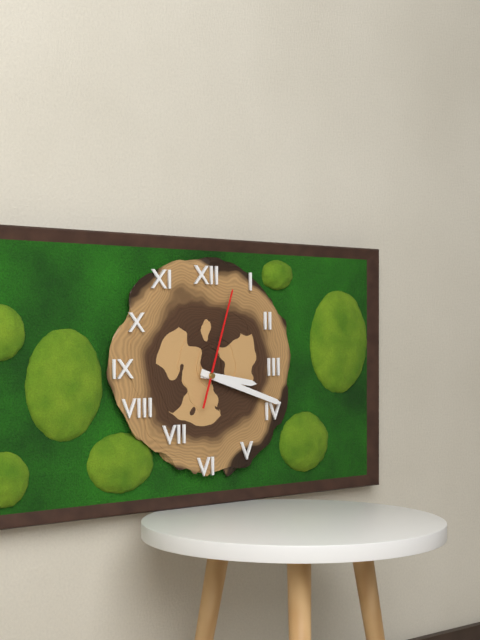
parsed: **3:18:03**
